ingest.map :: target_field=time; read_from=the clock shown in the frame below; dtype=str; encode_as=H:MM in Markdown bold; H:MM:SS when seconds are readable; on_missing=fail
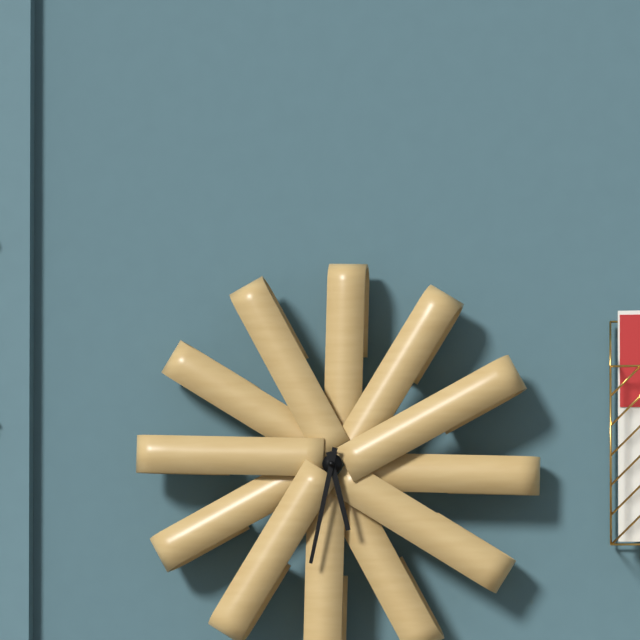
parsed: **5:32**
